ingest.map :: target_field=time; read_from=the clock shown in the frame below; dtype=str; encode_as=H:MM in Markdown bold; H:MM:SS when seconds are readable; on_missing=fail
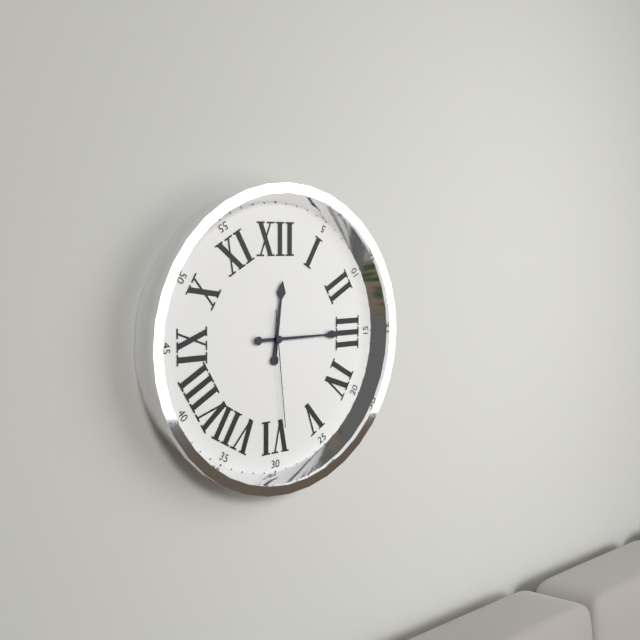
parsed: **12:15:29**
